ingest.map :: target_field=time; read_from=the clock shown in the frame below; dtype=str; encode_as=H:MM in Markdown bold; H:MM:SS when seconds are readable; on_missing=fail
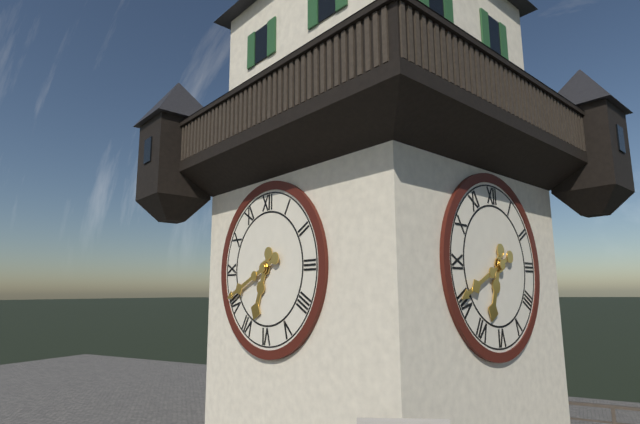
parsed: **6:41**
